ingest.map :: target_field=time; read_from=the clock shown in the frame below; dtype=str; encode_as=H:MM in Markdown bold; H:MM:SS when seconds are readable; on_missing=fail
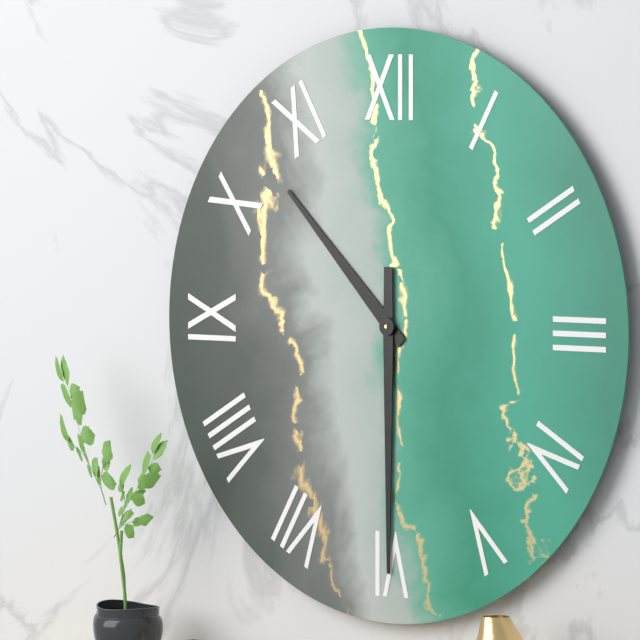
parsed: **10:30**
